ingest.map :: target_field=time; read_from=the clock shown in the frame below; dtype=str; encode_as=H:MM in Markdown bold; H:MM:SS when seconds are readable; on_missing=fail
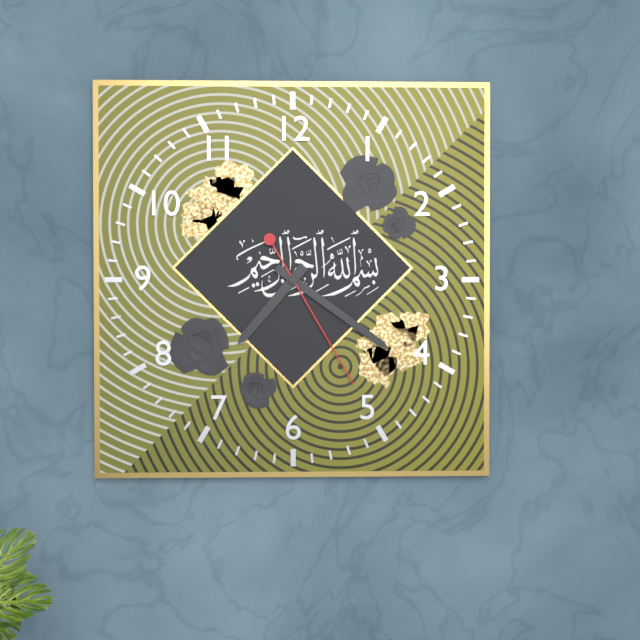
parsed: **7:21:25**
